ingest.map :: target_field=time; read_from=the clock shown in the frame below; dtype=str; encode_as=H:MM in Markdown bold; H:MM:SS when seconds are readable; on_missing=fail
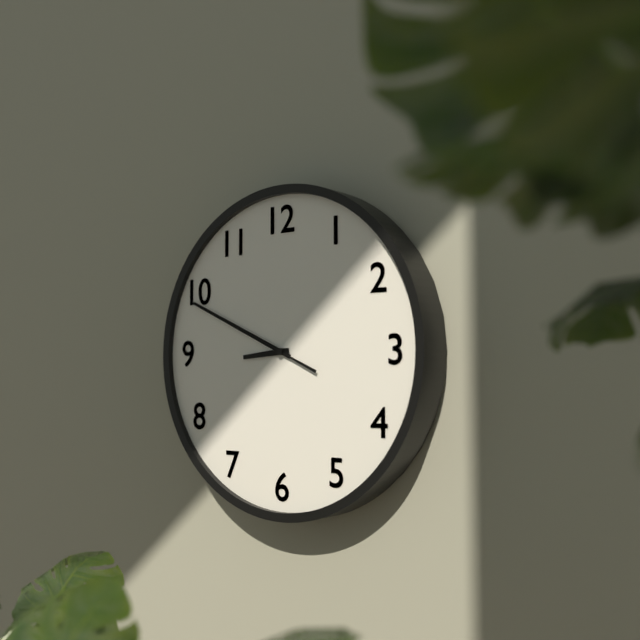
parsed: **8:49:49**
